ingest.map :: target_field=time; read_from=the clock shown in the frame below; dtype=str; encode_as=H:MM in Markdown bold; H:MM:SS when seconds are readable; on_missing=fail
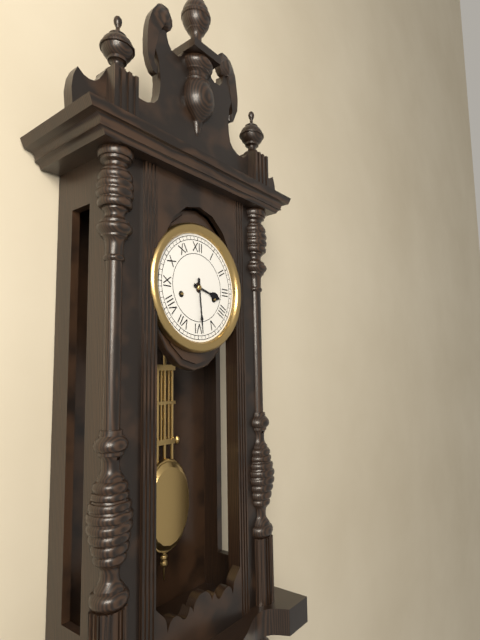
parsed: **3:29**
